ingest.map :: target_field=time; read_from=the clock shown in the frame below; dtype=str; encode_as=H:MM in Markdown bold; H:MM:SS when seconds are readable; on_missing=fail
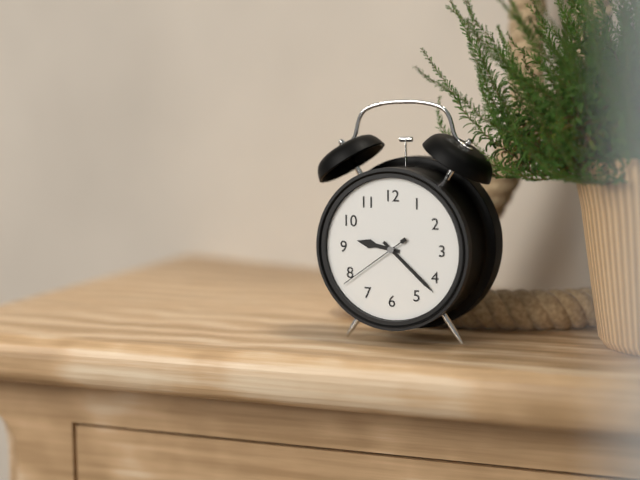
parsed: **9:22:39**
